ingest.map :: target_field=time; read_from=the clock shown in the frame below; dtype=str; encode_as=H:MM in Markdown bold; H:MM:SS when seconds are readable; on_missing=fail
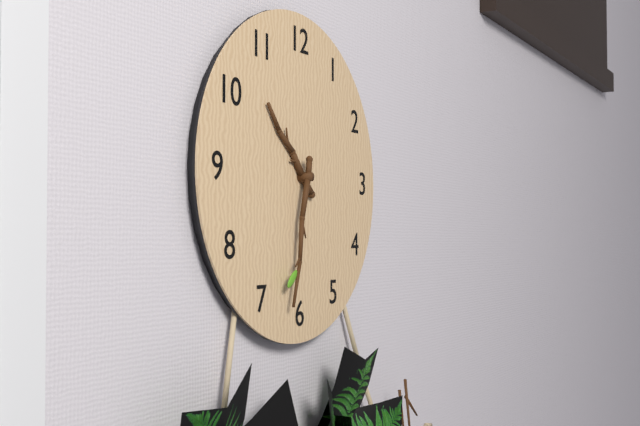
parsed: **10:32**
